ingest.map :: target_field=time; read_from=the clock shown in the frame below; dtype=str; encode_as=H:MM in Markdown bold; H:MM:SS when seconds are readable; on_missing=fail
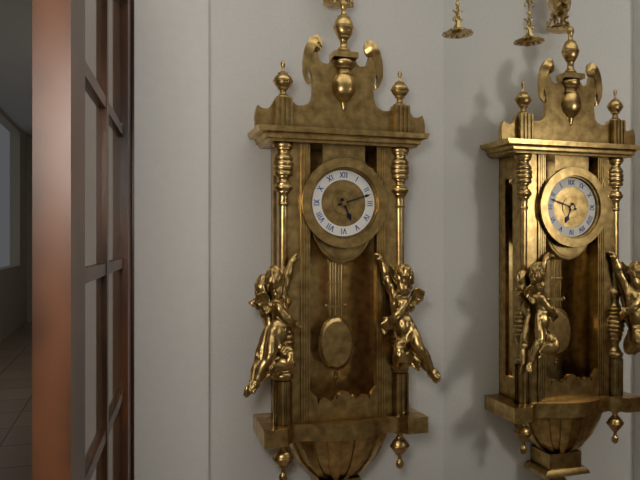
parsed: **5:12**
